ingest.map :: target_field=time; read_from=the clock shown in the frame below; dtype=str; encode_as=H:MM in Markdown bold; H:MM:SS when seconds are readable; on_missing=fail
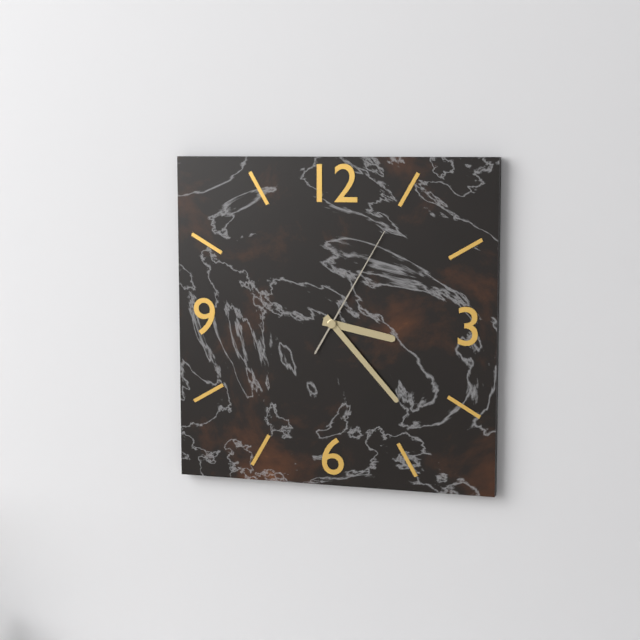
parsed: **3:23:05**
